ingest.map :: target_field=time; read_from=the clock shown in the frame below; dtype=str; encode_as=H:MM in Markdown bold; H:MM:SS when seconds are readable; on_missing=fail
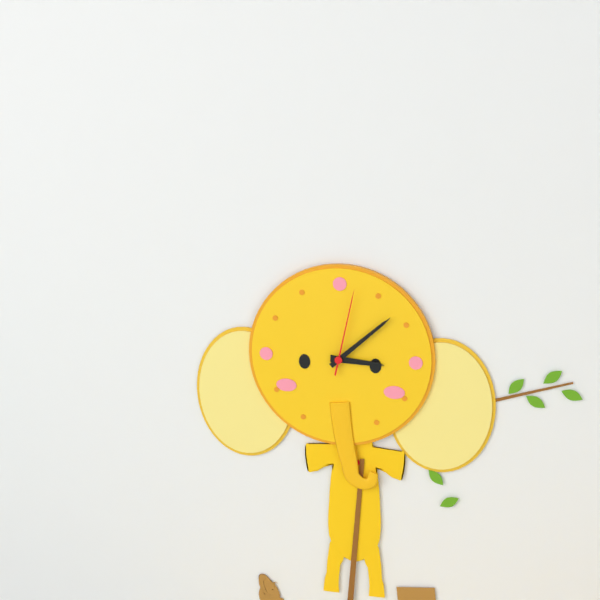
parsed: **3:08:02**
